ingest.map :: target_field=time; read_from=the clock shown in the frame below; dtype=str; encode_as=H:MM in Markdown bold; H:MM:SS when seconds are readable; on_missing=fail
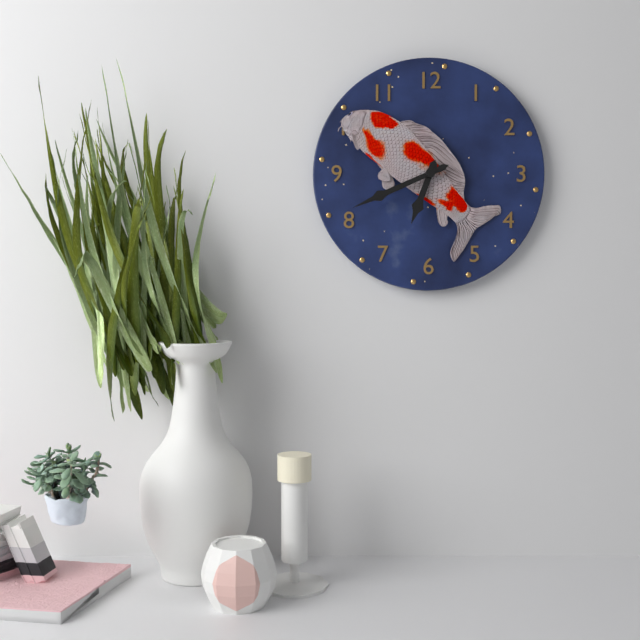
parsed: **6:41**
